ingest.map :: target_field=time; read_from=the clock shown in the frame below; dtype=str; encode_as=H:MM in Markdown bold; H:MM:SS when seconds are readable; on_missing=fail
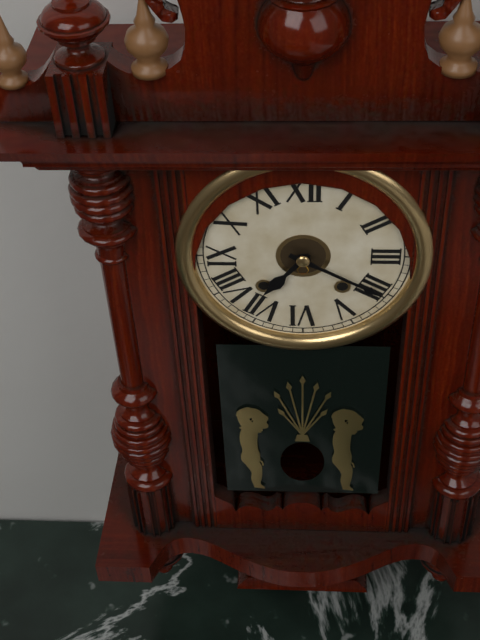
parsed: **7:20**
